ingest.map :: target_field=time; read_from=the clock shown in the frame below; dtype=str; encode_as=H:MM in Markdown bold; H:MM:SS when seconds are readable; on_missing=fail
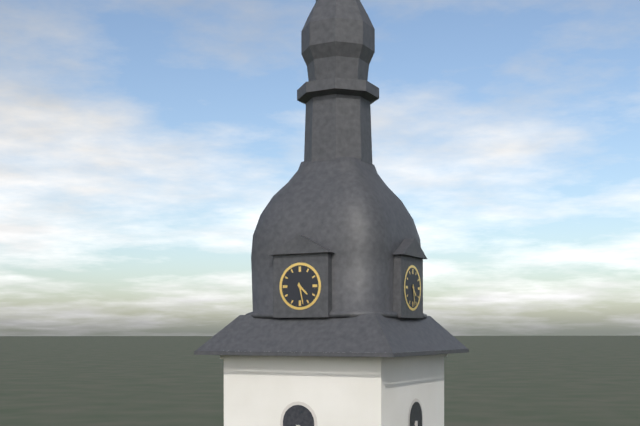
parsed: **4:28**
